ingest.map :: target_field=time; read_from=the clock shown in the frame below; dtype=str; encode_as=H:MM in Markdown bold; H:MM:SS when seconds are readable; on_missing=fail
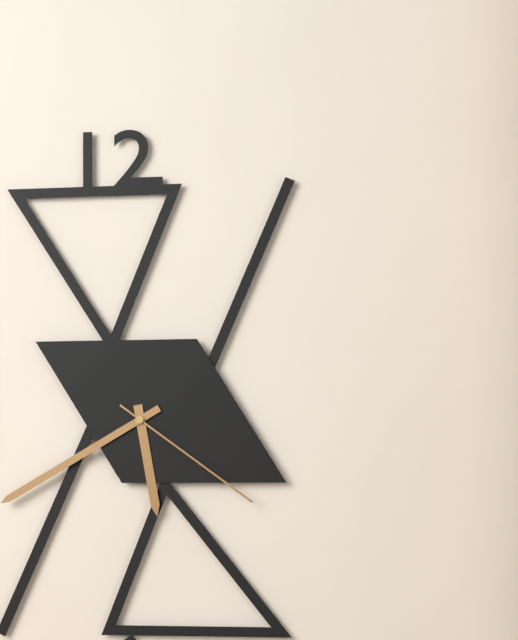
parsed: **5:40:21**
